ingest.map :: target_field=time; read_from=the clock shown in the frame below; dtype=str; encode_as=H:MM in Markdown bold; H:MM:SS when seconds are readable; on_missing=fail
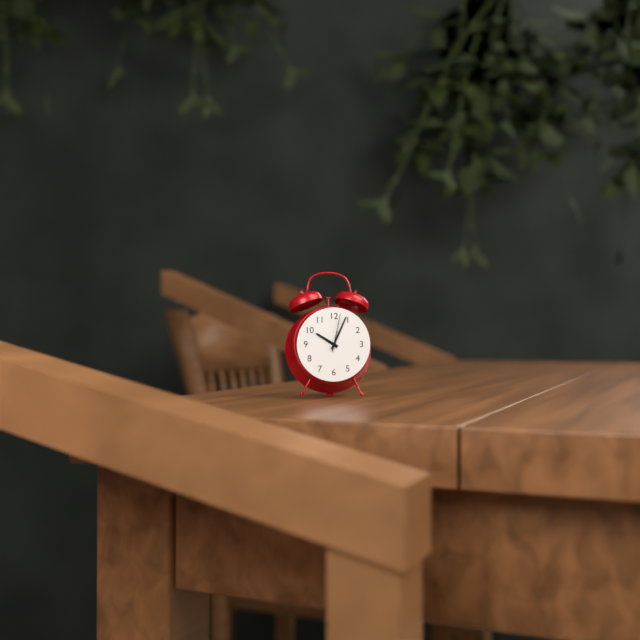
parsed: **10:04**
